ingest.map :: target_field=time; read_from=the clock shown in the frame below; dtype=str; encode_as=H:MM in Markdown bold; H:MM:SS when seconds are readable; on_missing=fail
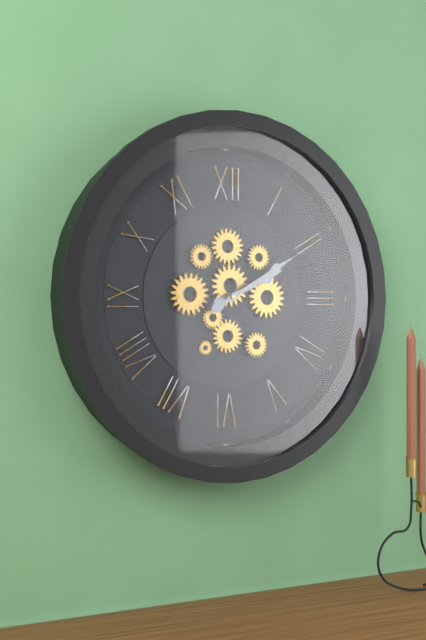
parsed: **2:10**
